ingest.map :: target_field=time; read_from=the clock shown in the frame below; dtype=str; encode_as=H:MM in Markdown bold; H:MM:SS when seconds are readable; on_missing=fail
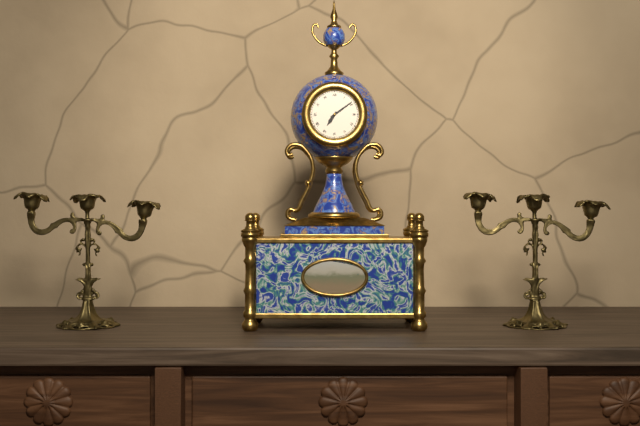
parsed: **7:09**
